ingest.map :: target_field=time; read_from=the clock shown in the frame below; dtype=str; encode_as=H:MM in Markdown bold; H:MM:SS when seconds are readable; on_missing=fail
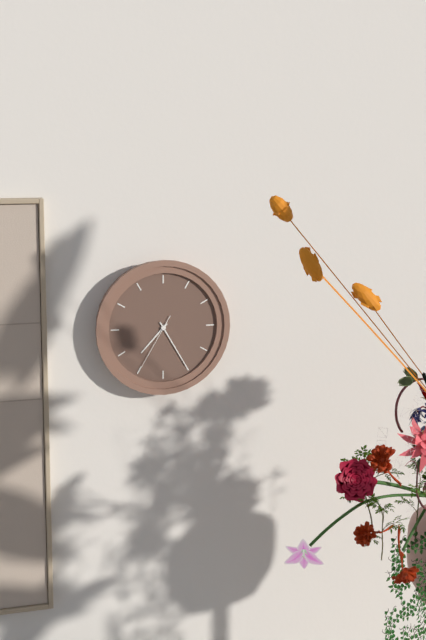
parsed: **7:25:35**
